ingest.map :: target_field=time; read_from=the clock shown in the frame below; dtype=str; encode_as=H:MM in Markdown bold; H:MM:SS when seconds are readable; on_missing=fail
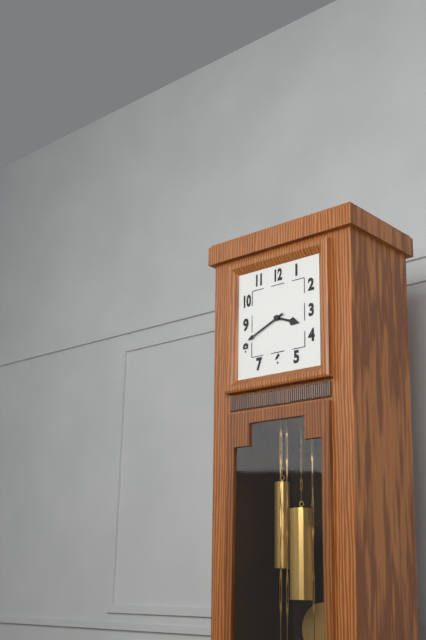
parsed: **3:41**
